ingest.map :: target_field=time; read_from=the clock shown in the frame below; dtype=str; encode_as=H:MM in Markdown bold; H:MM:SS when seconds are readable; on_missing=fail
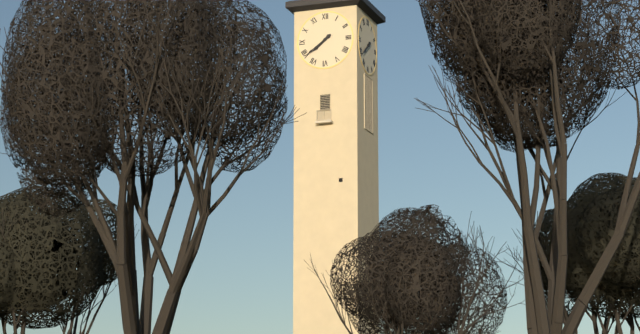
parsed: **7:39**
